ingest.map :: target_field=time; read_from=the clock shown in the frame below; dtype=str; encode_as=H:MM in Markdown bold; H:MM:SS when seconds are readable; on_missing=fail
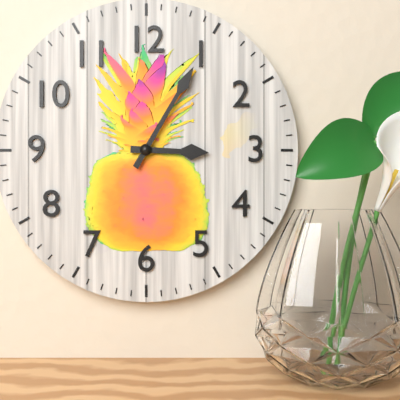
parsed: **3:05**
